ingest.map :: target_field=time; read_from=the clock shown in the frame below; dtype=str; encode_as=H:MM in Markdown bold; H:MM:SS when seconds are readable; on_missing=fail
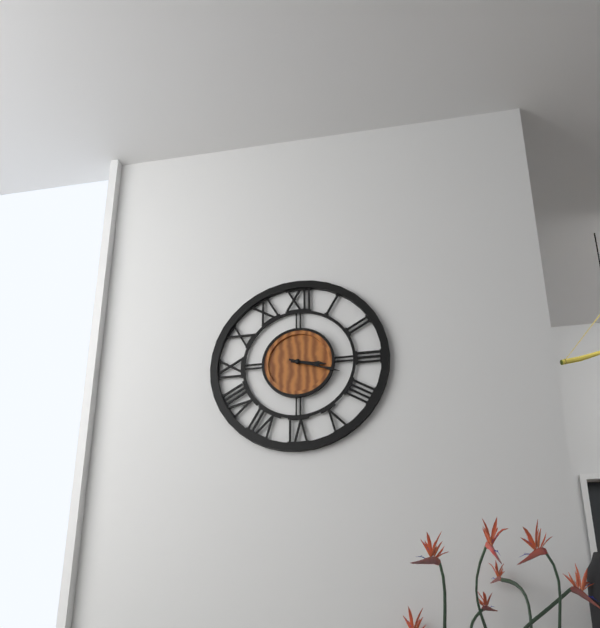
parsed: **3:18**
